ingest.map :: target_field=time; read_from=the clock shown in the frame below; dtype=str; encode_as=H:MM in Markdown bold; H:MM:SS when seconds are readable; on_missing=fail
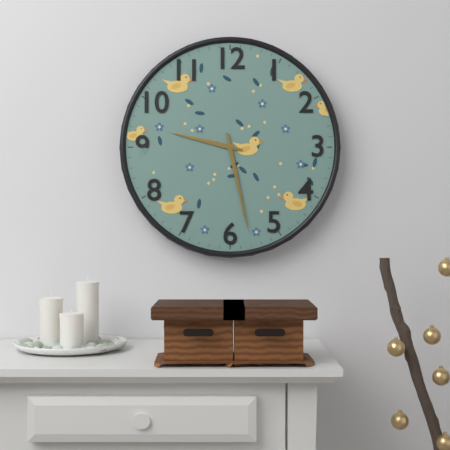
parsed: **9:28**
